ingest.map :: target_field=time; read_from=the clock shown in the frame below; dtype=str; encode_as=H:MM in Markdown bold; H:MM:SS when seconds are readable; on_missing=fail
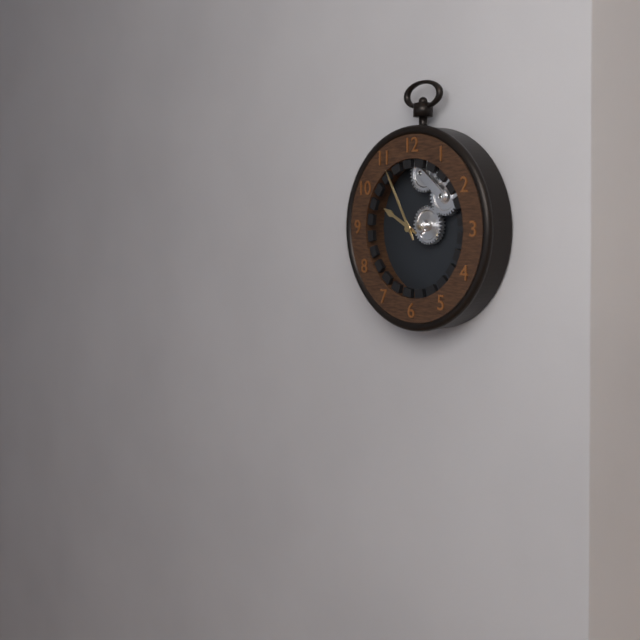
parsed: **9:55**
